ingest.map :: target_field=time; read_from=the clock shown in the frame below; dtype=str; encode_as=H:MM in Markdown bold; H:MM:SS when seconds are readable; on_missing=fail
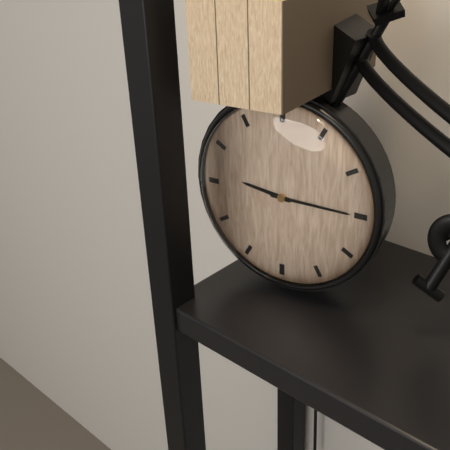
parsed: **9:15**
